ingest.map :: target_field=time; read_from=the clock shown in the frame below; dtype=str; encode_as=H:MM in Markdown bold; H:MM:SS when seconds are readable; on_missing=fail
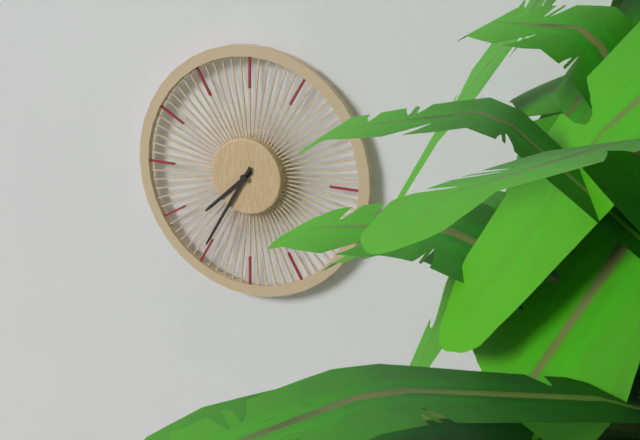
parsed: **7:35**
